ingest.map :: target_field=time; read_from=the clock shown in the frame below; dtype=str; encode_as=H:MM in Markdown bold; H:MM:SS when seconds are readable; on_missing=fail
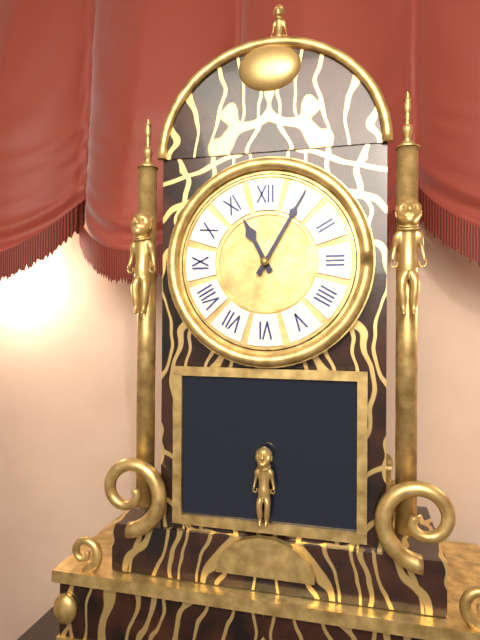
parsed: **11:05**
